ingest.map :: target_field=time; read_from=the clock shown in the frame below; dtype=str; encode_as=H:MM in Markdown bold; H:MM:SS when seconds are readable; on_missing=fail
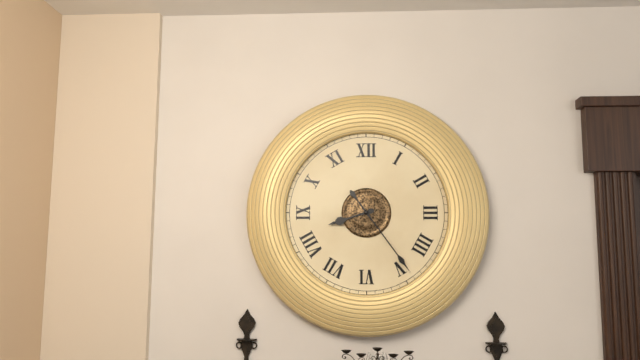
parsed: **8:24**
